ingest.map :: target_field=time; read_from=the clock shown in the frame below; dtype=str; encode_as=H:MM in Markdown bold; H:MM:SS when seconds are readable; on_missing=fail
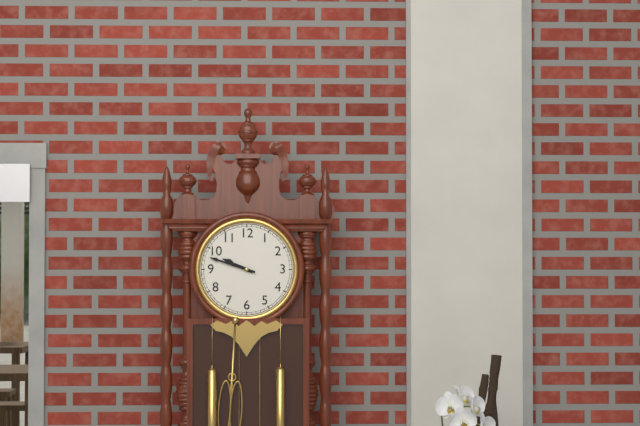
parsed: **9:48**
